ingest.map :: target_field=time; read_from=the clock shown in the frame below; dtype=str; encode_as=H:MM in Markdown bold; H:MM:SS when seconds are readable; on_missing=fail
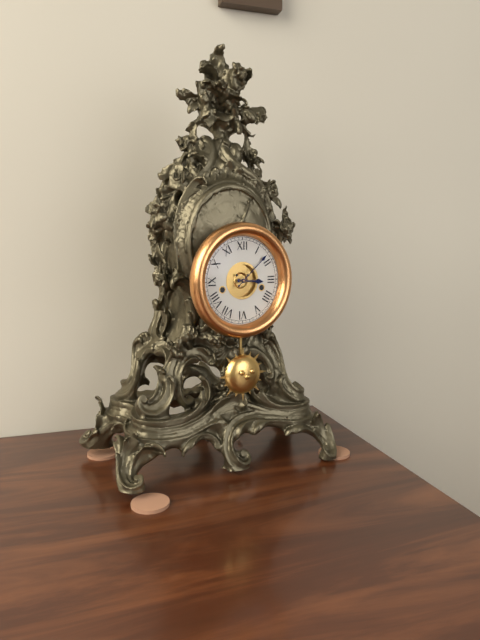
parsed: **3:08**
